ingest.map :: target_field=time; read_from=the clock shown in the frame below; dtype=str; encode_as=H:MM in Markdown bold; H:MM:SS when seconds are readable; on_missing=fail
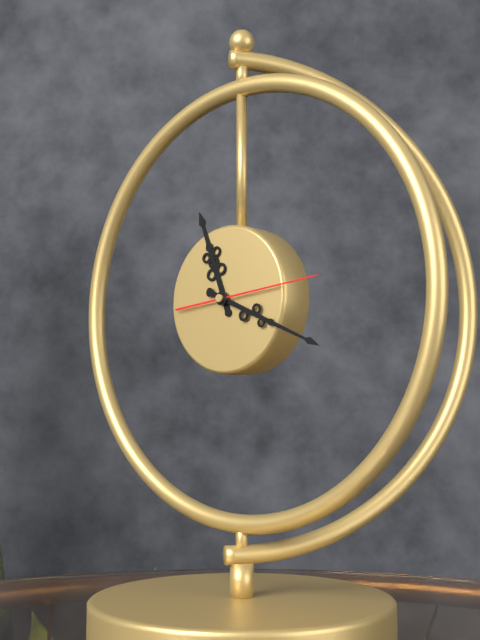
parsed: **11:19:14**
